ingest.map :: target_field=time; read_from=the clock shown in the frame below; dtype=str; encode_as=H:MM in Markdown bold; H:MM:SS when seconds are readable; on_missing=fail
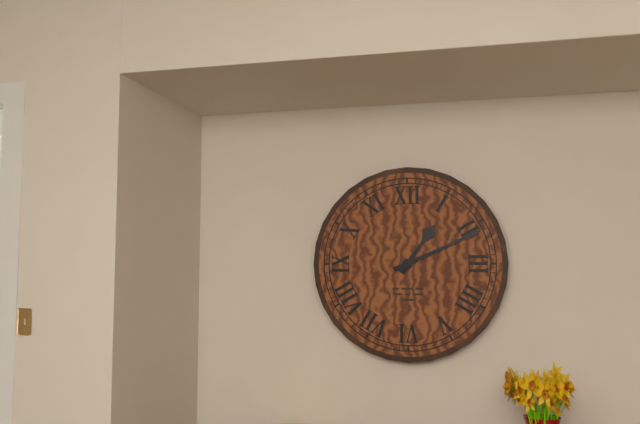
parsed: **1:11**
